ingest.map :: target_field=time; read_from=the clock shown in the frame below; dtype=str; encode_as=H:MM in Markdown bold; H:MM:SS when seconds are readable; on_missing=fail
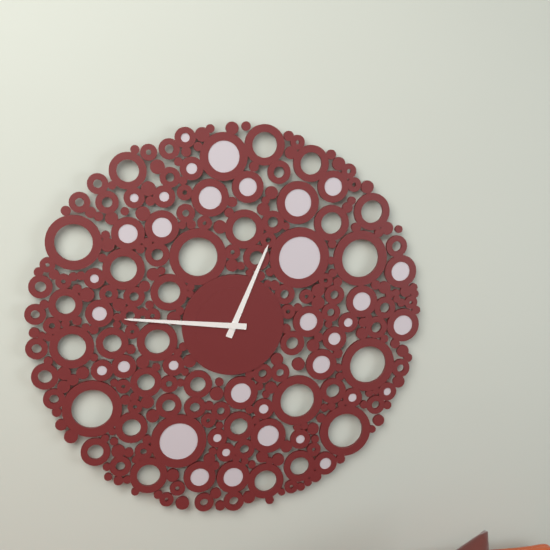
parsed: **12:46**
